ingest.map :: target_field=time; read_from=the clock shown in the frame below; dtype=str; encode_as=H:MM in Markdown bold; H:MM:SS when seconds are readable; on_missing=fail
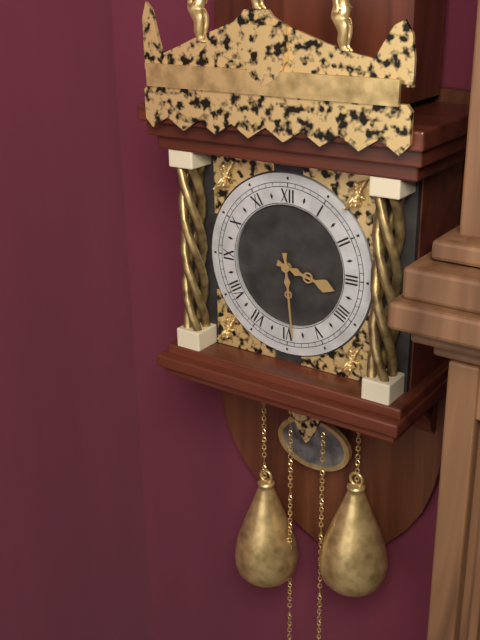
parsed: **3:29**
